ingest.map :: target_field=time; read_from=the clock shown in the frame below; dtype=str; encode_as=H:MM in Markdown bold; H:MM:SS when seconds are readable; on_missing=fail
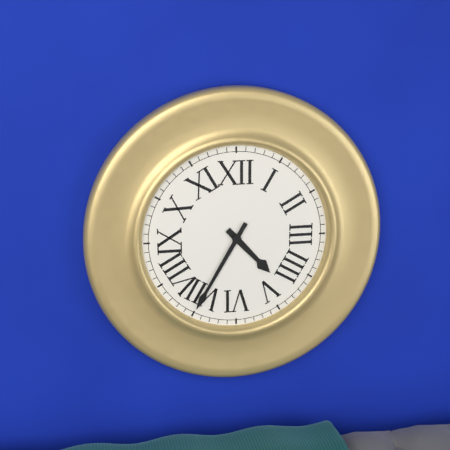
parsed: **4:35**
